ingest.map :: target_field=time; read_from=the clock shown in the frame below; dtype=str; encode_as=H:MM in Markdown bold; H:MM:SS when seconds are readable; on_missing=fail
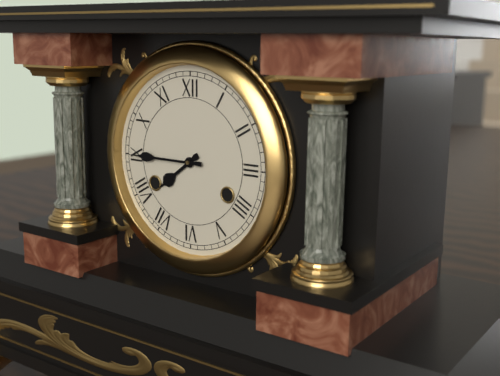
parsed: **7:45**
